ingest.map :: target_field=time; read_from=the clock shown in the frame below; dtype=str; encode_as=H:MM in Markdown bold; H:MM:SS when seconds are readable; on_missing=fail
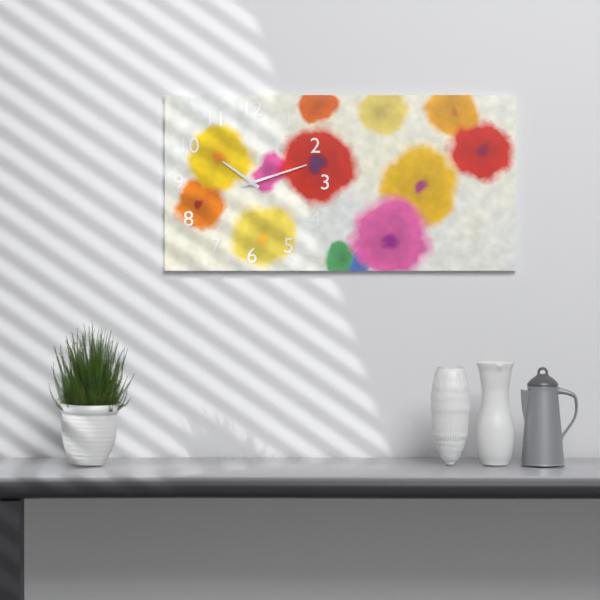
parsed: **10:12**
